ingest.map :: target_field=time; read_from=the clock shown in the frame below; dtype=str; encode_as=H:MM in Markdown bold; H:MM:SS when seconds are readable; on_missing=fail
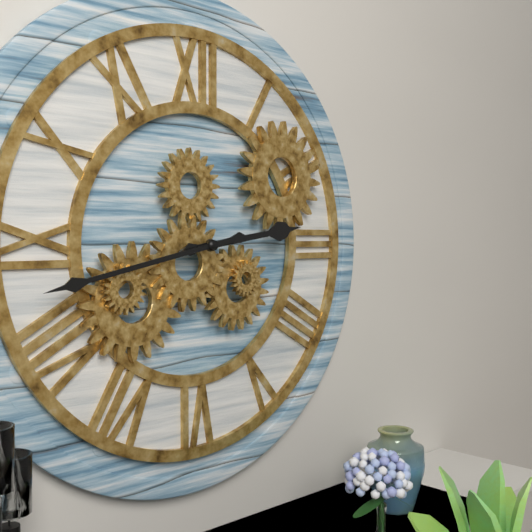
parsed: **2:43**
